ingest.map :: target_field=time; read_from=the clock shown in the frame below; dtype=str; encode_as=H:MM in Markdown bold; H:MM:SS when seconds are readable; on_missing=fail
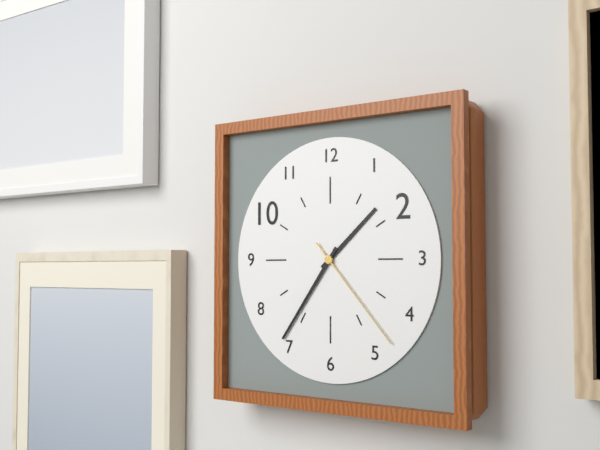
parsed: **1:36:23**
